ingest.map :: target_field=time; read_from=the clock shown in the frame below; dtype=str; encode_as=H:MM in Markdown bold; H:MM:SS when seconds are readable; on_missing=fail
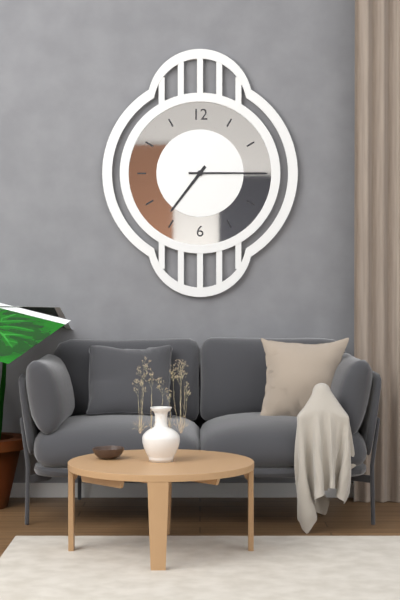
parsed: **7:15**
